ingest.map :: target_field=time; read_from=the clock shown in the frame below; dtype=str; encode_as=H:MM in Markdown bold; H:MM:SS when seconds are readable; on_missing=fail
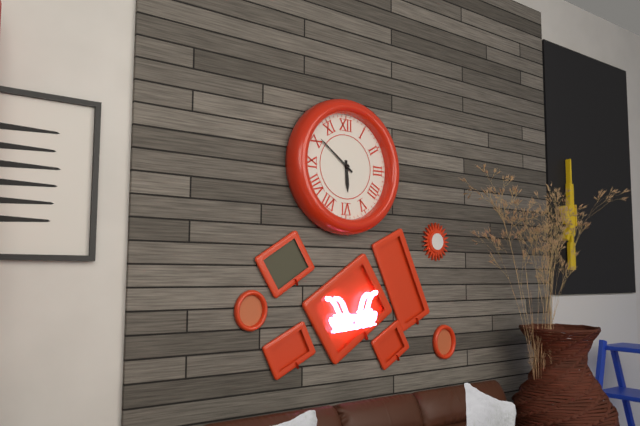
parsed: **5:51**
